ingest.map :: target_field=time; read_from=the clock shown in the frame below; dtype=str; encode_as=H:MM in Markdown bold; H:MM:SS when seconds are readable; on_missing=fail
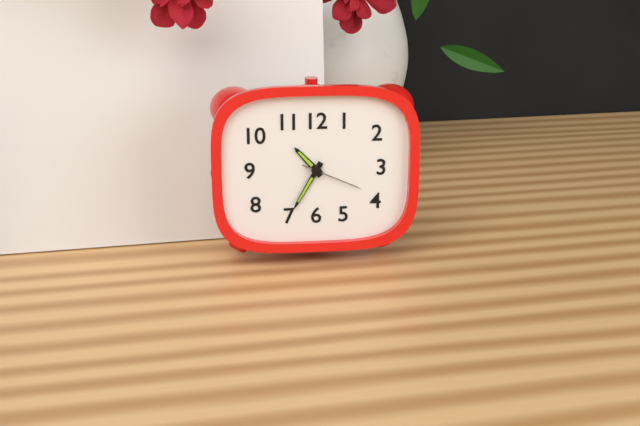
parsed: **10:35:19**
